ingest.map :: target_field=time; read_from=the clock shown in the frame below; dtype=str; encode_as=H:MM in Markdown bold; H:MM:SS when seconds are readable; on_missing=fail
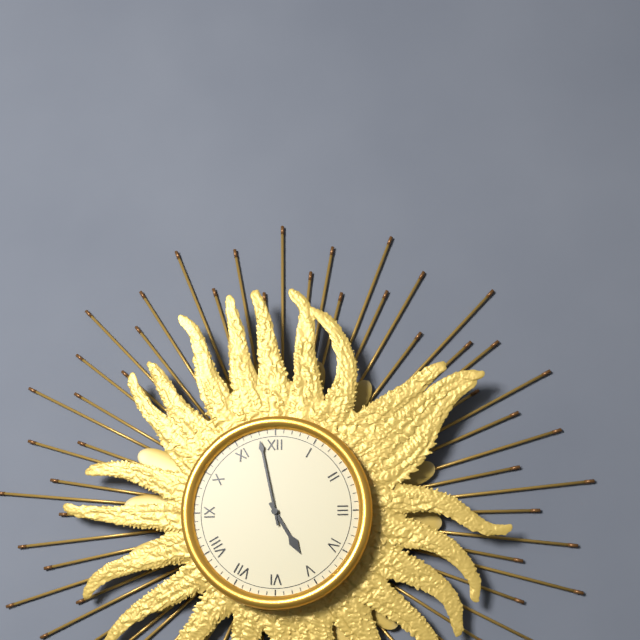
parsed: **4:58**
